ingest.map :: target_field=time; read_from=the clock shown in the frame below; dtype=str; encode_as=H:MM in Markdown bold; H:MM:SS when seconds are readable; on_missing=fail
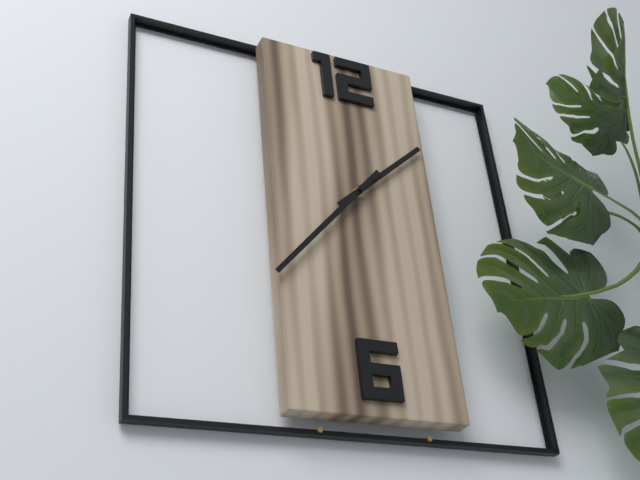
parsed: **1:37**
